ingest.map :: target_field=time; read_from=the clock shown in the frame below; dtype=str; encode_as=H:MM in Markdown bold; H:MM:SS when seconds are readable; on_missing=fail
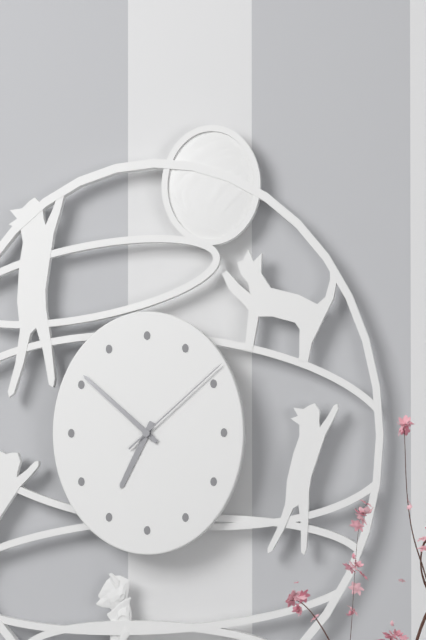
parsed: **6:52:08**
